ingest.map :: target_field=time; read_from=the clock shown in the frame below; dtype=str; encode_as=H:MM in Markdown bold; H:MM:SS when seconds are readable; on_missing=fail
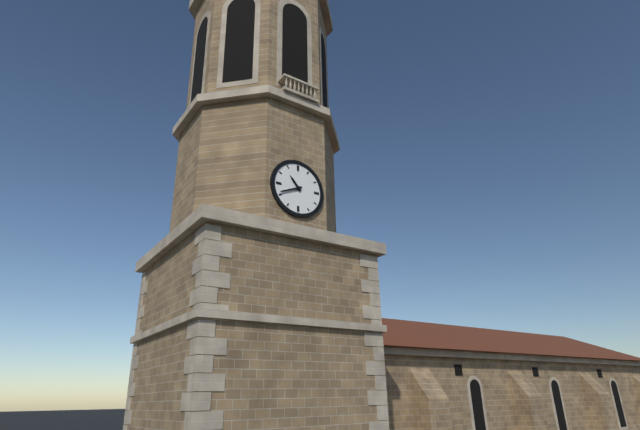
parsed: **10:41**
